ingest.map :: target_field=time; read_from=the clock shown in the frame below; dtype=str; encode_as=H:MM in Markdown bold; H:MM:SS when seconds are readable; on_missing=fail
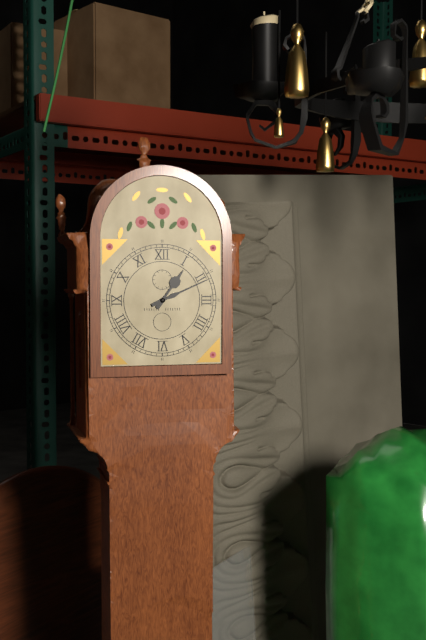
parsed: **1:11**
